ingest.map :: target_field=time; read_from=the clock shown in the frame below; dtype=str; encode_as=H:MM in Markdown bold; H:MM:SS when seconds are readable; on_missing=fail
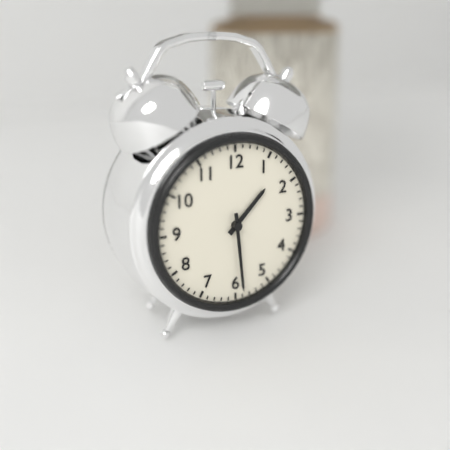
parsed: **1:29**
